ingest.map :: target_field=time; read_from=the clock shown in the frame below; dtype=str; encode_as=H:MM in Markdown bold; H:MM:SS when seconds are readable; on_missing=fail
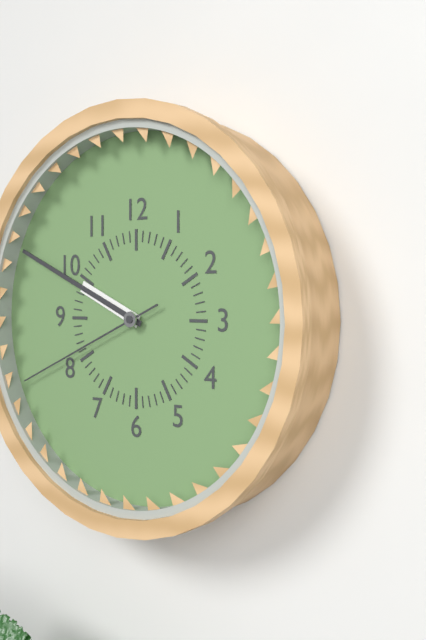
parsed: **9:49:41**
